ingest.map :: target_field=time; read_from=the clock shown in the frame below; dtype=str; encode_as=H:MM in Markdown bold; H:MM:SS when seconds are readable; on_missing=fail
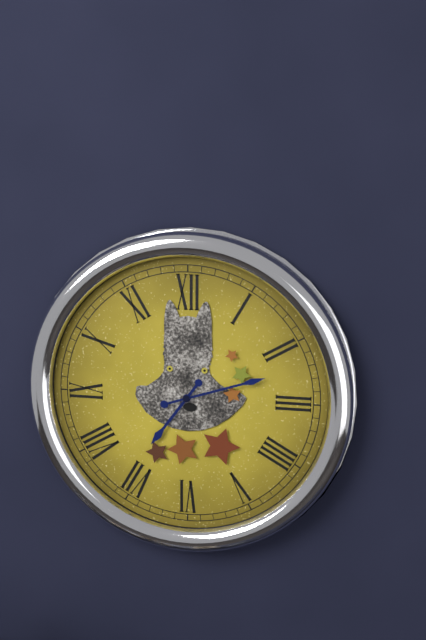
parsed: **7:12**
